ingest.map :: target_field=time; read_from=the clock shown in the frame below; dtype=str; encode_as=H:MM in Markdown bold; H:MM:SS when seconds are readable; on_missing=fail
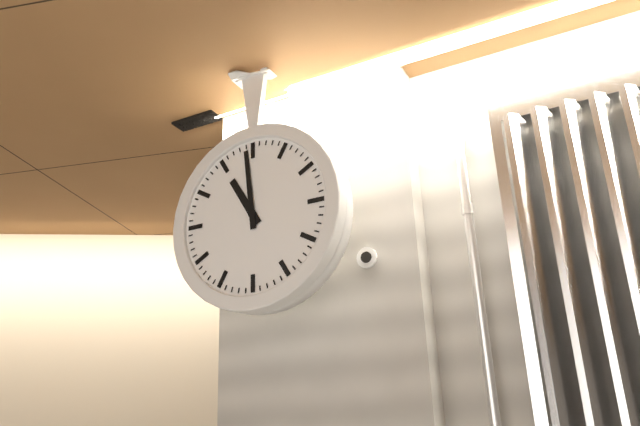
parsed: **10:59**
